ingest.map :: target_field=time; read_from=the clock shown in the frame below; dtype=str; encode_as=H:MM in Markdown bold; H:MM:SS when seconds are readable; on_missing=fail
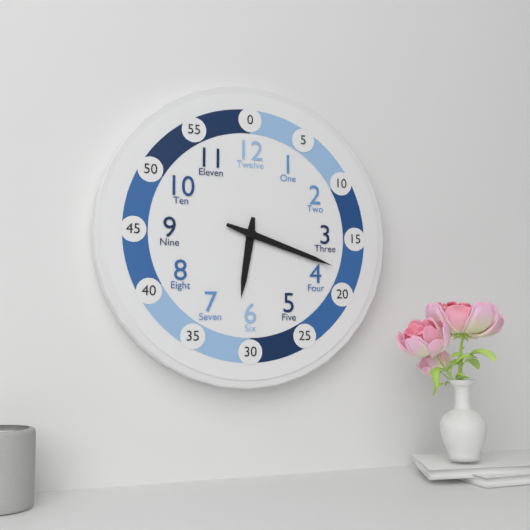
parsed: **6:18**
